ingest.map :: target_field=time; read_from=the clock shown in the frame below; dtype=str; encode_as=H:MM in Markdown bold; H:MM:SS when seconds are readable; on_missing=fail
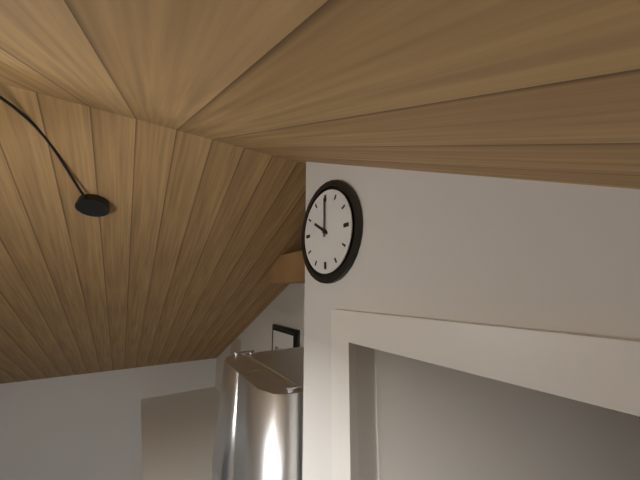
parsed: **10:00**
